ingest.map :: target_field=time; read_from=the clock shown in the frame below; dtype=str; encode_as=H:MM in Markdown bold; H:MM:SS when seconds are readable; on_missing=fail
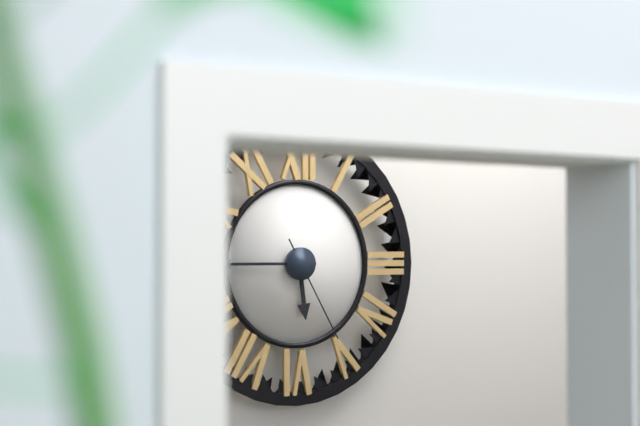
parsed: **5:45:25**
